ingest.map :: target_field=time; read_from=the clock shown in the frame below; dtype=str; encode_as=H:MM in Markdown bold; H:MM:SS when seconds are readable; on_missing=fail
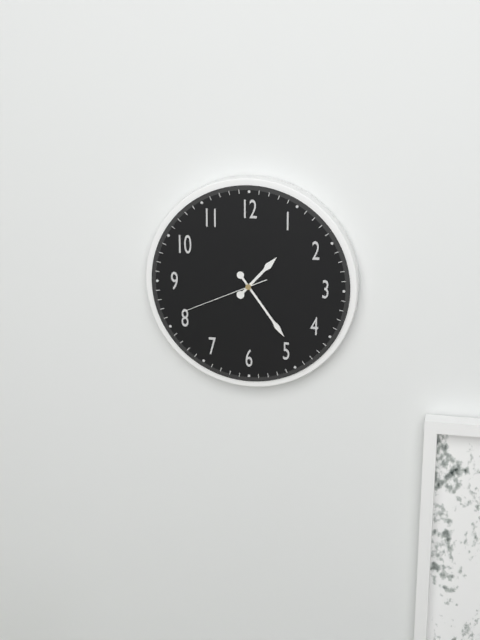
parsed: **1:24:41**
